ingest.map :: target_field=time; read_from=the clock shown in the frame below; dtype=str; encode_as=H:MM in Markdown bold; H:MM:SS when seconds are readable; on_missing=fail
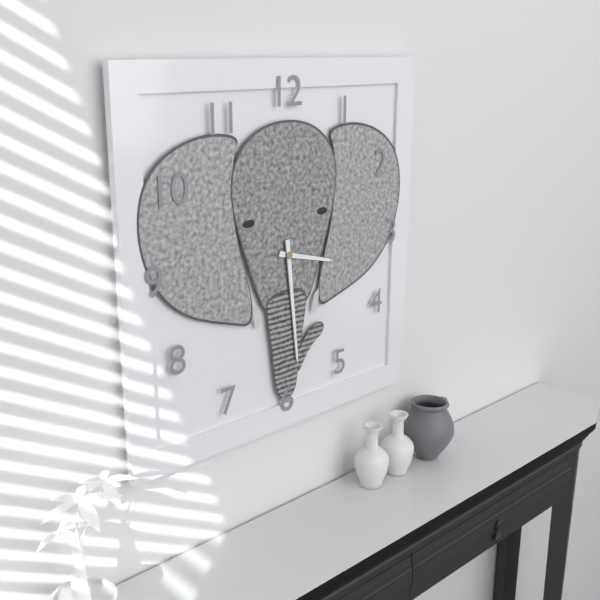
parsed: **3:29**
